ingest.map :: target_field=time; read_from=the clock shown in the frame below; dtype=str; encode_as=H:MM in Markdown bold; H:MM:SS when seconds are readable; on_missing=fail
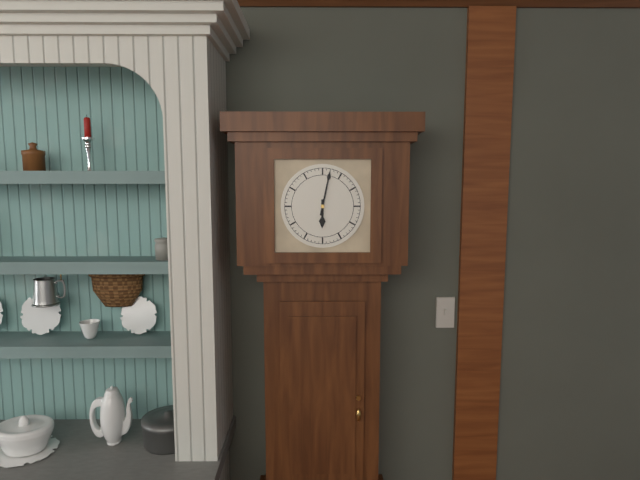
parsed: **6:02**
